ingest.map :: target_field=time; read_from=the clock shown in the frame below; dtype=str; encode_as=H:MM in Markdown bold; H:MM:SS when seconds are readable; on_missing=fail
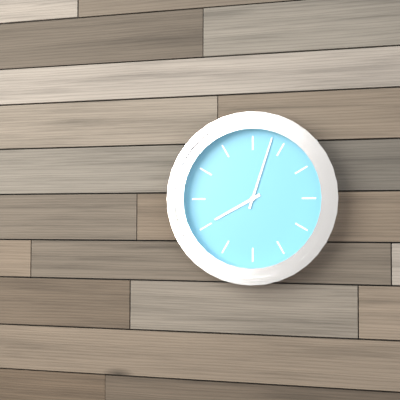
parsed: **8:03**
